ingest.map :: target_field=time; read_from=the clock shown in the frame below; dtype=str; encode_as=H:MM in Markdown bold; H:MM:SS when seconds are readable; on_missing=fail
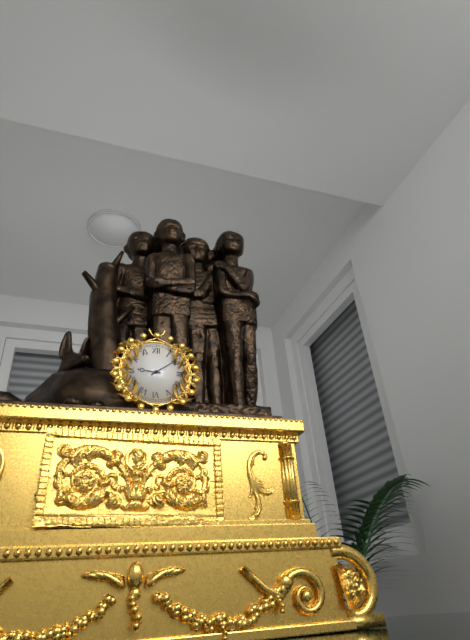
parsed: **9:09**
